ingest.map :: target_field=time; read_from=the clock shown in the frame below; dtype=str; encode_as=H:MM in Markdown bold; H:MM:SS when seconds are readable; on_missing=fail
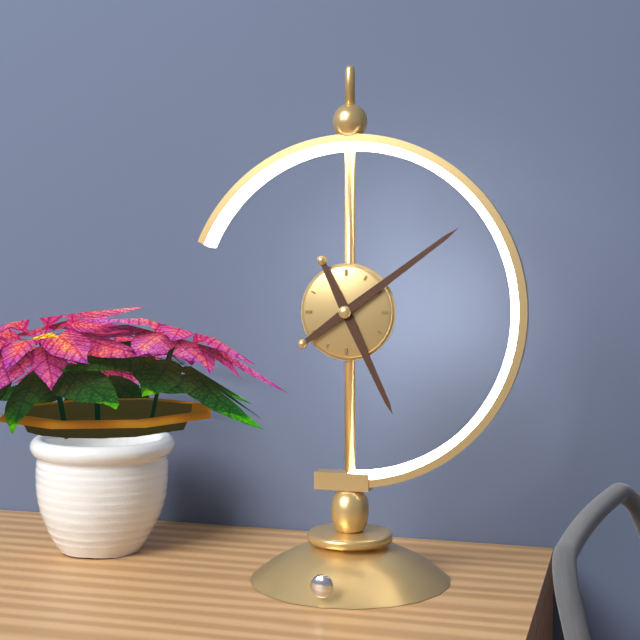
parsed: **5:09**
